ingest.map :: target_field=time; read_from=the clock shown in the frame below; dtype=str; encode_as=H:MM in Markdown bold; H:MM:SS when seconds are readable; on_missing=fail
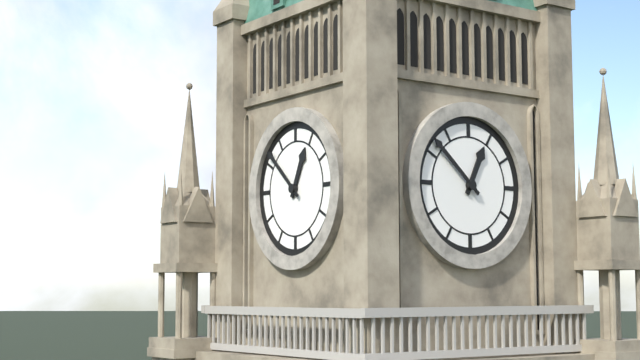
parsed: **12:52**
